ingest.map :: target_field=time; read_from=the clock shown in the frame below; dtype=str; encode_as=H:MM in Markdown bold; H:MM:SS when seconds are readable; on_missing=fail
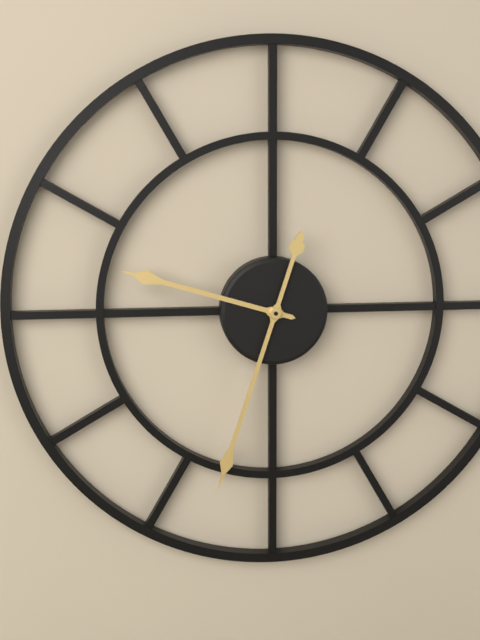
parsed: **9:33**
